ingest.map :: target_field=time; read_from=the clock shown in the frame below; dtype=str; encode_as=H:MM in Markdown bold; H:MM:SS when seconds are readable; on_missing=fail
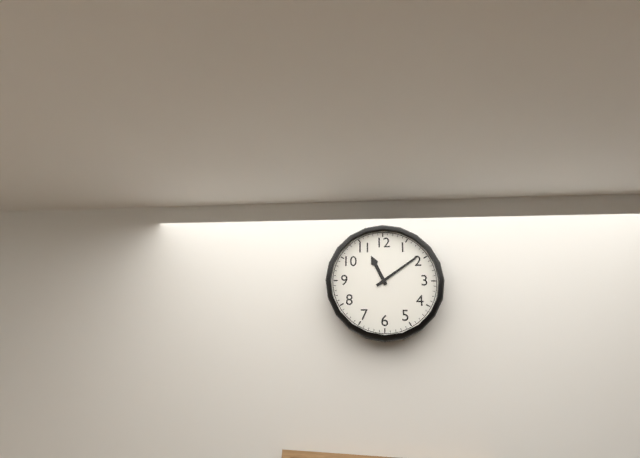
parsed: **11:09**
